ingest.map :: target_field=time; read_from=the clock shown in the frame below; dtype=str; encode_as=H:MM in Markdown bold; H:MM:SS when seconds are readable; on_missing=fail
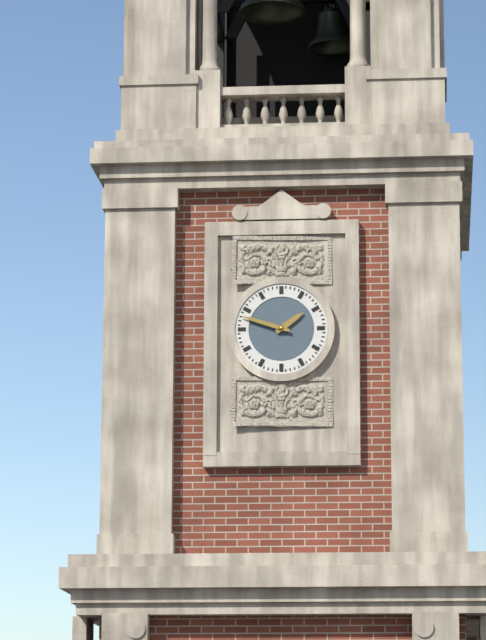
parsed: **1:48**
